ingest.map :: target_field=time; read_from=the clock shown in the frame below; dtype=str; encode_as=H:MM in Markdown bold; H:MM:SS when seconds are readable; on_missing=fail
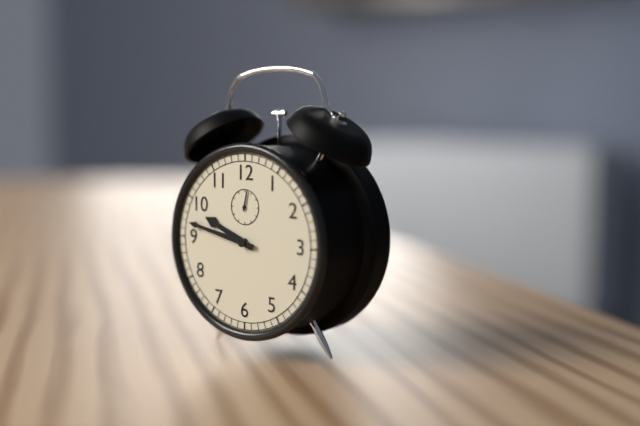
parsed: **9:47**
